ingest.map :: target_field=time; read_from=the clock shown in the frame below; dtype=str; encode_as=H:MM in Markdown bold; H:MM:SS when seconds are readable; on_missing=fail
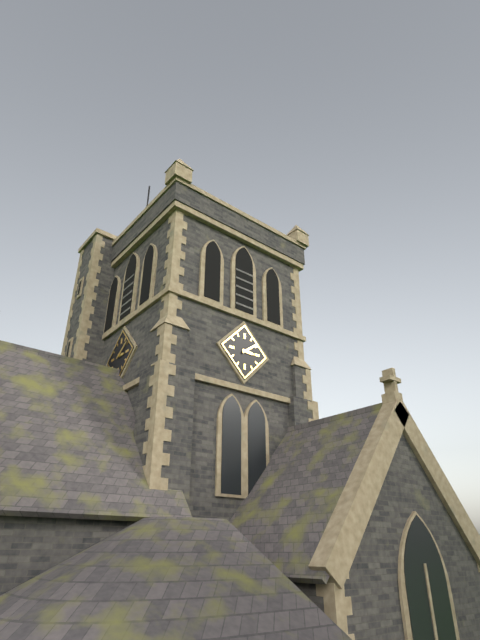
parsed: **3:09**
